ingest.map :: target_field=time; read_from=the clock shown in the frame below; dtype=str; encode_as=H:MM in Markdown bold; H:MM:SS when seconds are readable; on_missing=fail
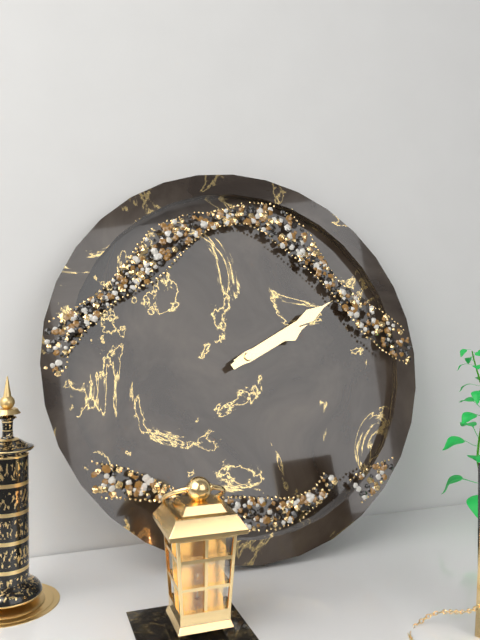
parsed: **2:10**
